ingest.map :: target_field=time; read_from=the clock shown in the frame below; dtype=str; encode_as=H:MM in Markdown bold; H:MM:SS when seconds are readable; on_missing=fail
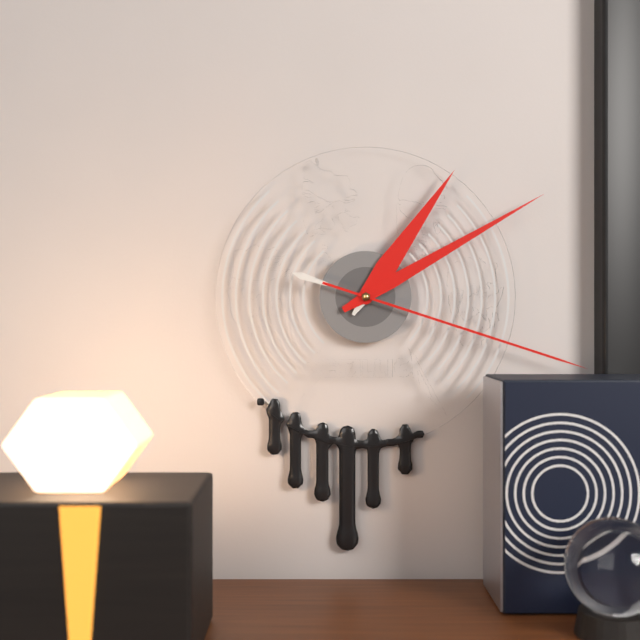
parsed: **1:10:18**
